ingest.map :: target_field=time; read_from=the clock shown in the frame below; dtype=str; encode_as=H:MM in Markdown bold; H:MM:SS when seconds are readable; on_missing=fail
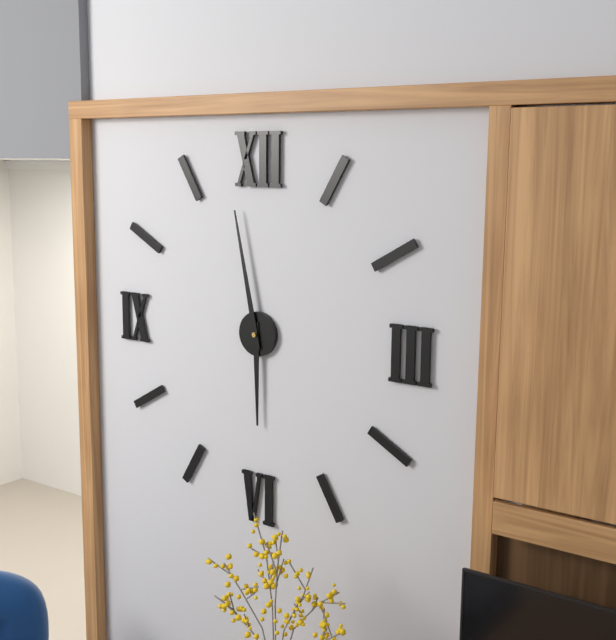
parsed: **5:58**
